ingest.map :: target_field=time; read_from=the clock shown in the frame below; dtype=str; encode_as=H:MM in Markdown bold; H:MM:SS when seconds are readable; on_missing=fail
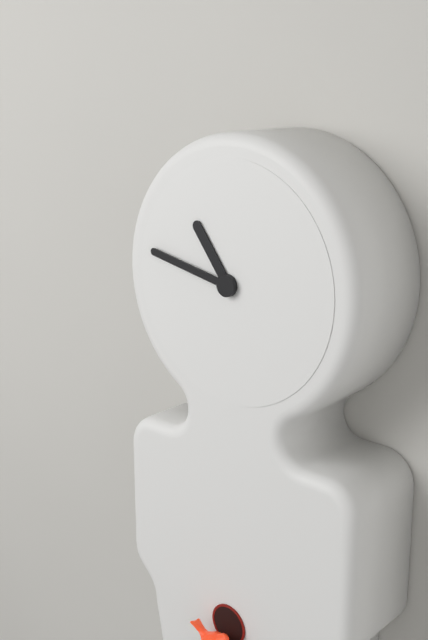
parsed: **10:47**
